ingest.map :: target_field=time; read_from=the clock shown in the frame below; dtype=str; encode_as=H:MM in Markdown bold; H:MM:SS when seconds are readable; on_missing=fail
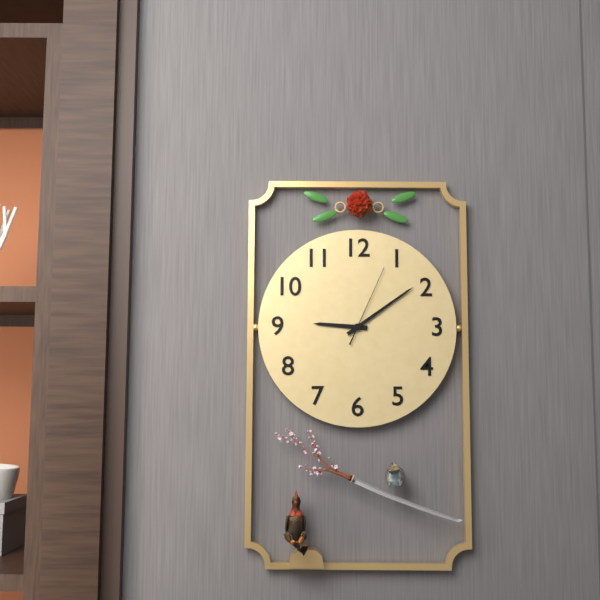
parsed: **9:09:04**
